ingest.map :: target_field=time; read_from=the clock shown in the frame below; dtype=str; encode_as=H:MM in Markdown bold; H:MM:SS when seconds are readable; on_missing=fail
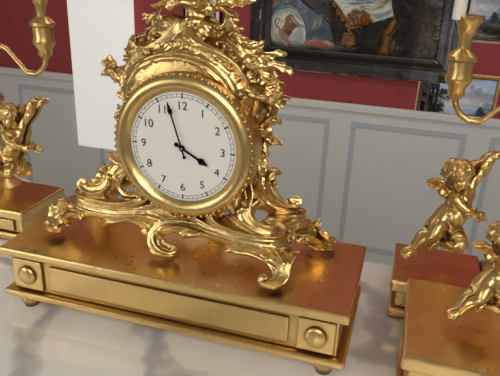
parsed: **3:57**
